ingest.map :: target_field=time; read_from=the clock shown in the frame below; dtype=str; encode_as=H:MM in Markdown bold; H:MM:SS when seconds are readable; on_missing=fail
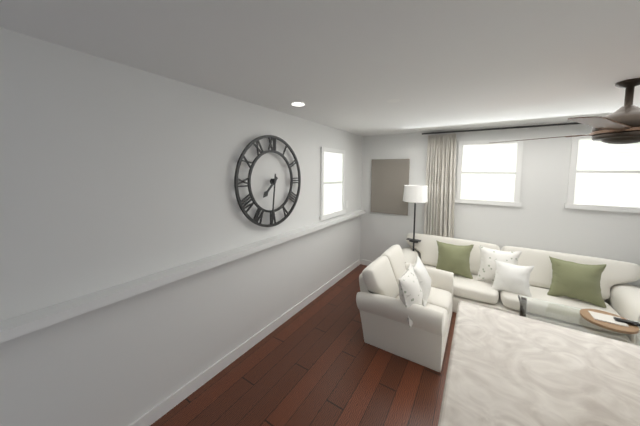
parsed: **7:31**
